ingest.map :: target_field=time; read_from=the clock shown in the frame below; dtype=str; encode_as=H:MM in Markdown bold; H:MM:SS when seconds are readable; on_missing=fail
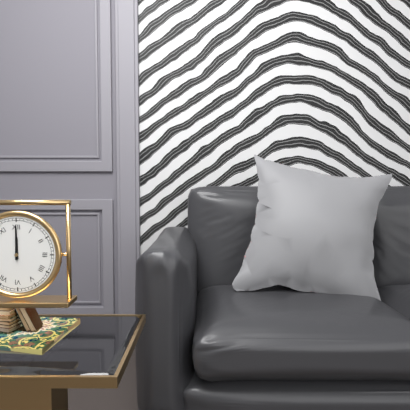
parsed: **12:00**
